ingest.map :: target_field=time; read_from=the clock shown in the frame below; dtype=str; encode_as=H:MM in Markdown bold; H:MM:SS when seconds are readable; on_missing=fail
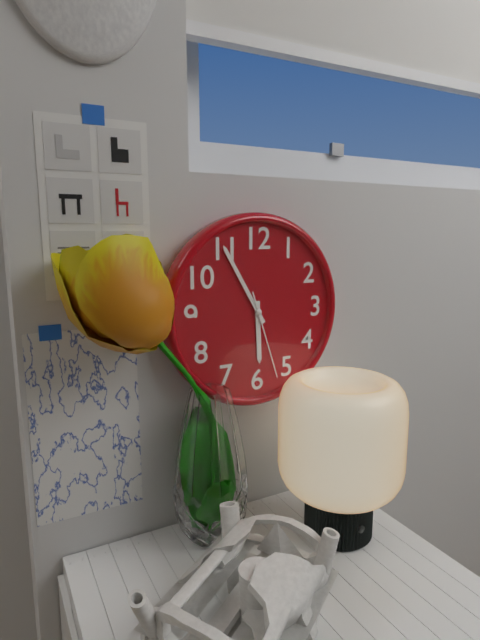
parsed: **5:55:27**
